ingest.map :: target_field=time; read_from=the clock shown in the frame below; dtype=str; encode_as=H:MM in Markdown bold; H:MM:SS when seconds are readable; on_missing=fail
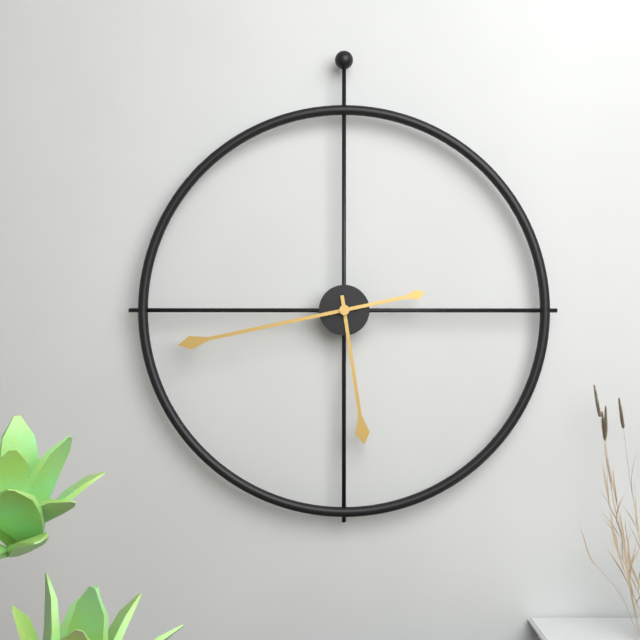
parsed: **5:43**
